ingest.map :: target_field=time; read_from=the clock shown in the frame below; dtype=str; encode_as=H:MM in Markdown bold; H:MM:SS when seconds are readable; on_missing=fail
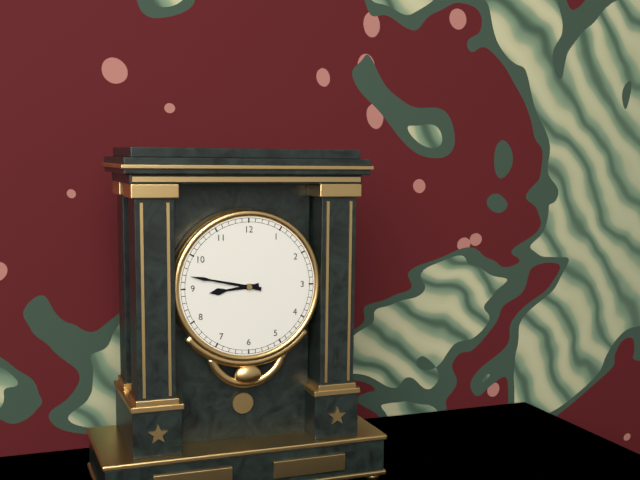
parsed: **8:47**
